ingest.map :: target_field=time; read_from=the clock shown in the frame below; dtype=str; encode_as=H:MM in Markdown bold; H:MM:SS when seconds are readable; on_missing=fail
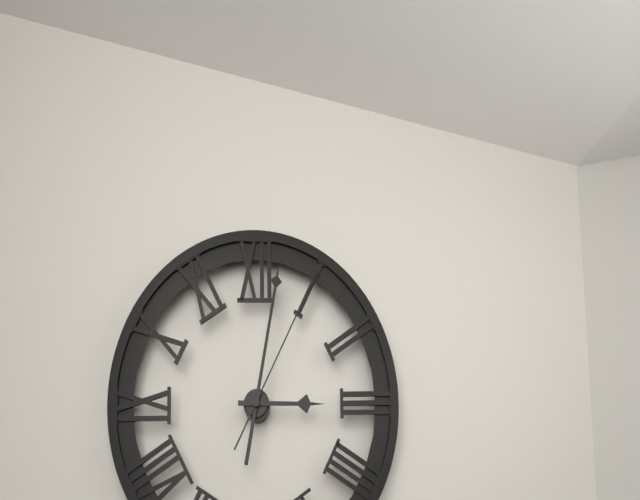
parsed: **3:02:05**
